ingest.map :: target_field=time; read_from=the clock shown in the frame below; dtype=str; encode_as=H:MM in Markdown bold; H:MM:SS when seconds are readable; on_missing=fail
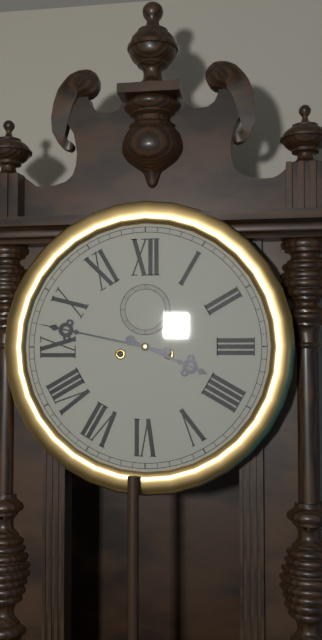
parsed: **3:47**
